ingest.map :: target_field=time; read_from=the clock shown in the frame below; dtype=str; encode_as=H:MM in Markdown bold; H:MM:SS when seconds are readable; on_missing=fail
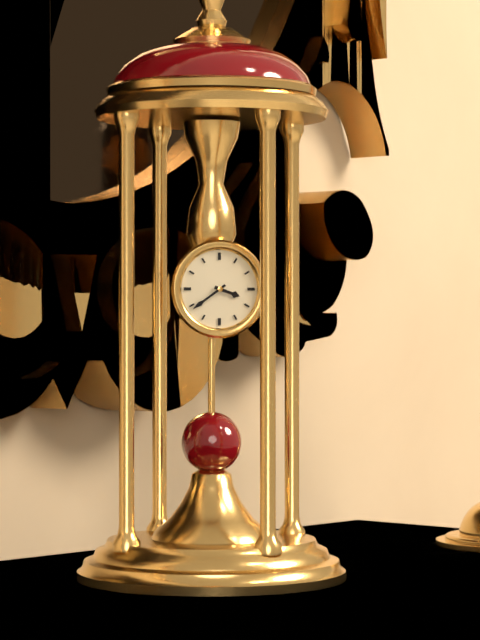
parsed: **3:39**
